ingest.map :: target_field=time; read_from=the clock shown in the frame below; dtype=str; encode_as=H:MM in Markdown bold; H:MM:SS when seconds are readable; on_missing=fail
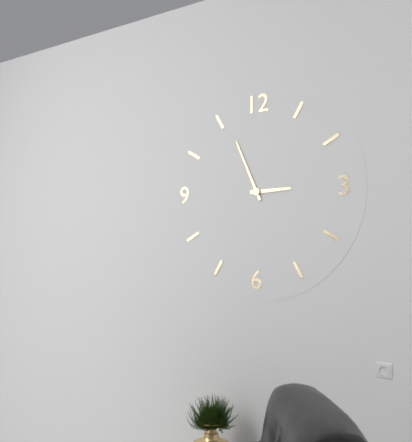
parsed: **2:56**
